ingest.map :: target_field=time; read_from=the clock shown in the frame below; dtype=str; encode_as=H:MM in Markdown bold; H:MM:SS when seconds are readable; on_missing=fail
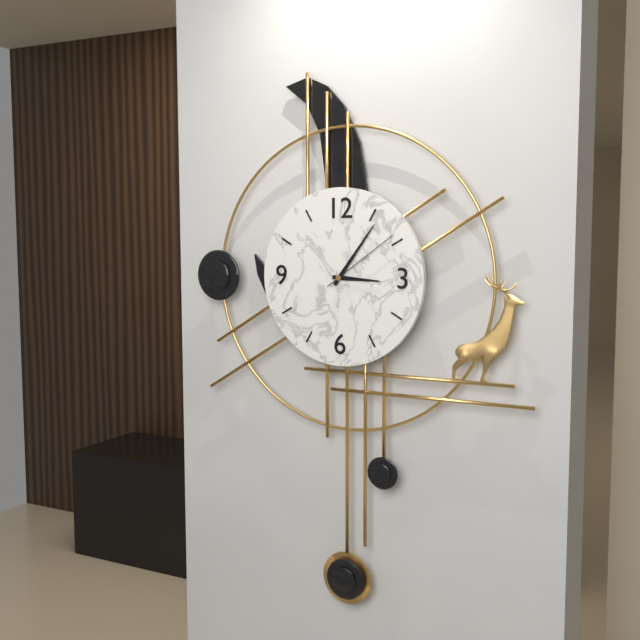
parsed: **3:06:09**
